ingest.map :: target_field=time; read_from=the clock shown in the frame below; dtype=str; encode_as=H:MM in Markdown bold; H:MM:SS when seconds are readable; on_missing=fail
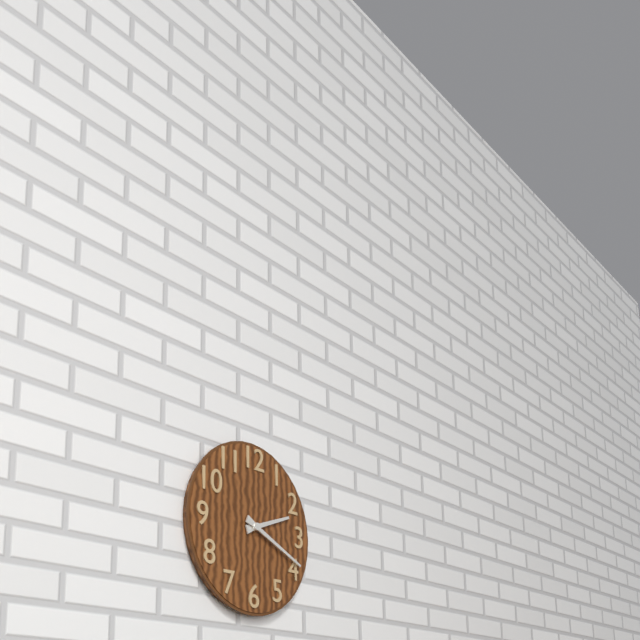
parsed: **2:19**
